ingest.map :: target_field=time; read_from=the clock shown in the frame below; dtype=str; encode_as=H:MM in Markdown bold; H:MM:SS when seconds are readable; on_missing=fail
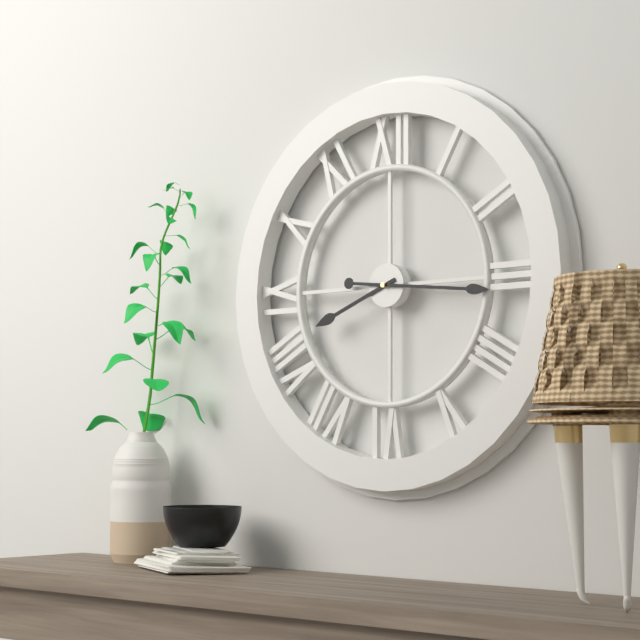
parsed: **8:16**
